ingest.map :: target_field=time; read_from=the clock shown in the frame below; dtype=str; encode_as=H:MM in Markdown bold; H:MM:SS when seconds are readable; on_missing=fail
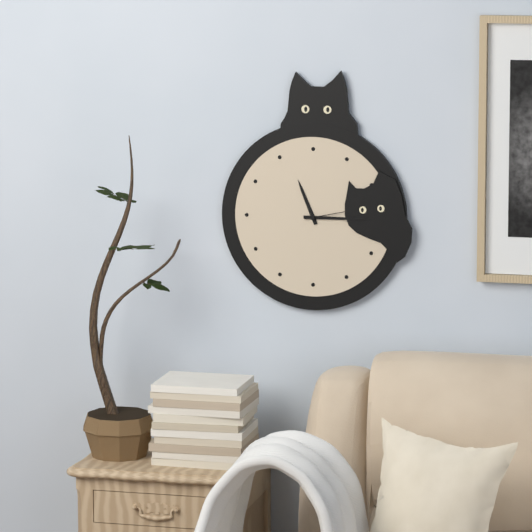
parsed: **11:15**
